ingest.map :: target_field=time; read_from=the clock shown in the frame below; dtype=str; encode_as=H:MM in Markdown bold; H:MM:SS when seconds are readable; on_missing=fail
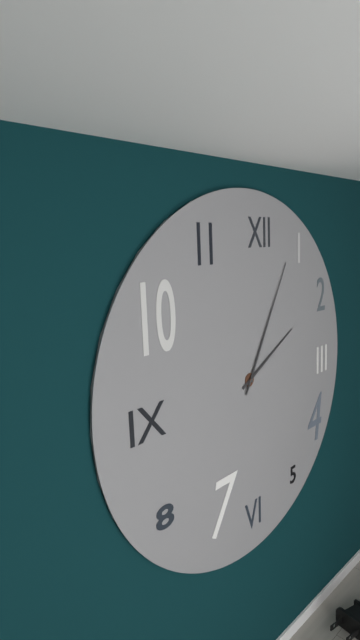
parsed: **2:05**
